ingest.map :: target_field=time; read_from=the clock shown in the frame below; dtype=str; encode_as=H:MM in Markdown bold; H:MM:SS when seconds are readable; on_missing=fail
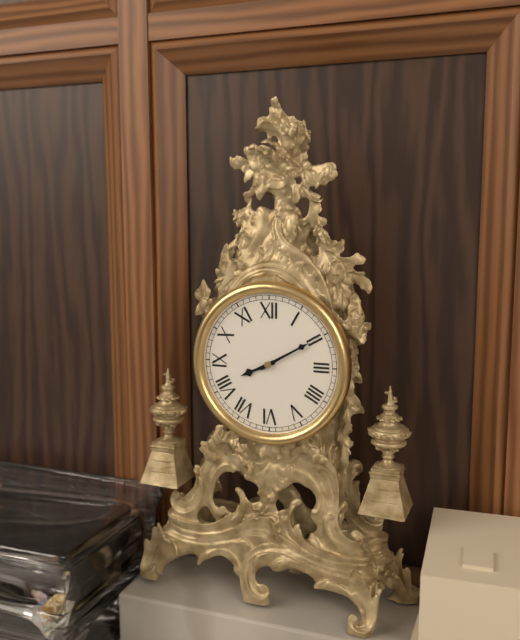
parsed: **8:10**
